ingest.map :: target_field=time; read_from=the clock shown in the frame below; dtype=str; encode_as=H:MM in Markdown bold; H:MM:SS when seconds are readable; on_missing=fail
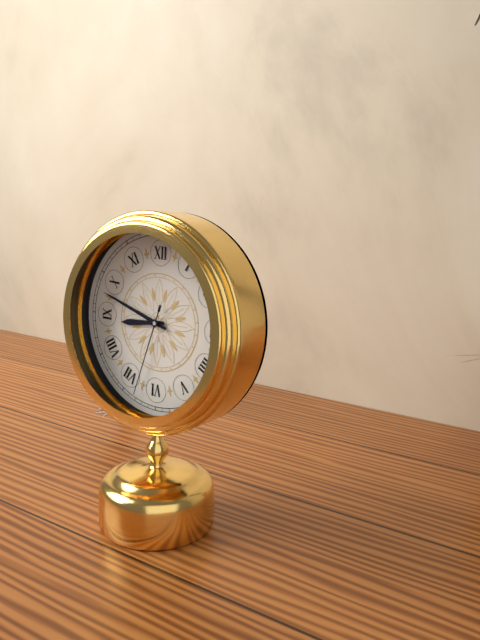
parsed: **8:48:33**
